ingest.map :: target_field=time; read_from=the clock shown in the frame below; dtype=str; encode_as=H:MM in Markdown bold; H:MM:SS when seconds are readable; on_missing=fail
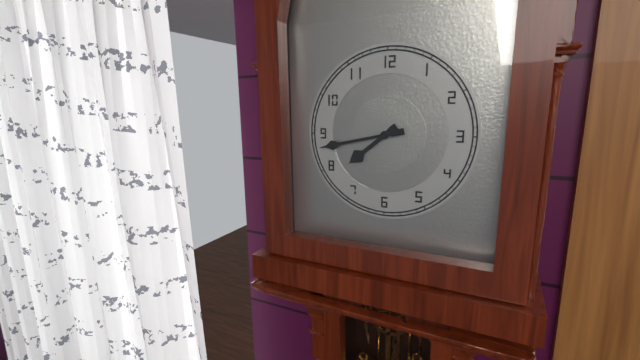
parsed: **7:43**
